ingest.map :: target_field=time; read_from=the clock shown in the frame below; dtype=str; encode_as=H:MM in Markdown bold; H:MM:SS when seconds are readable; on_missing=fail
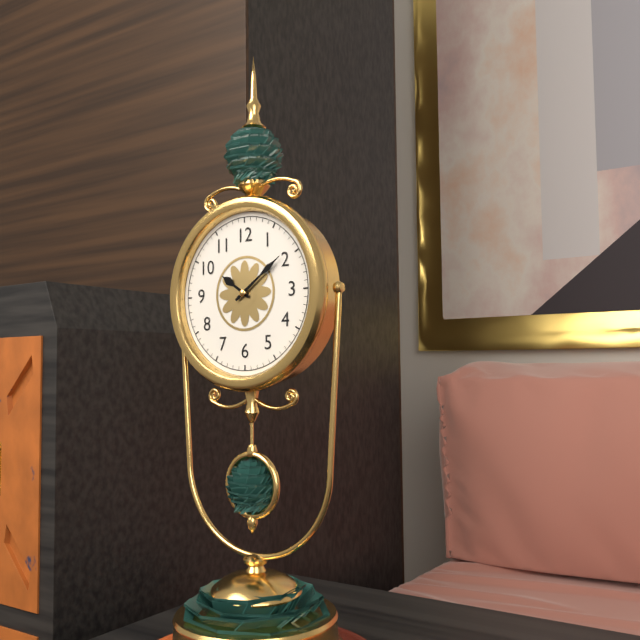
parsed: **10:09**
